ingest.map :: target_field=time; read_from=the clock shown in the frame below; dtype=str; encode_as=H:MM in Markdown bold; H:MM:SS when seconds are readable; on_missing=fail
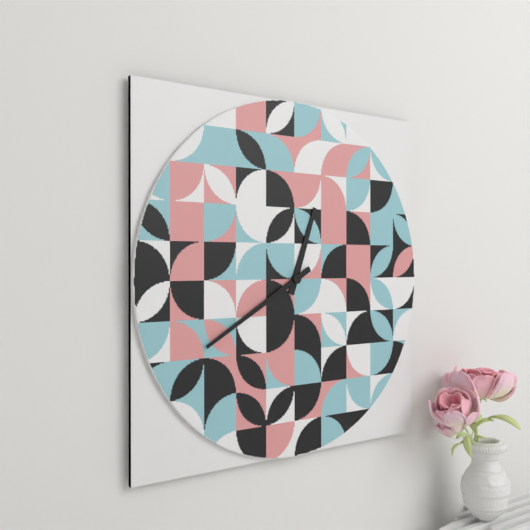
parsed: **12:40**
